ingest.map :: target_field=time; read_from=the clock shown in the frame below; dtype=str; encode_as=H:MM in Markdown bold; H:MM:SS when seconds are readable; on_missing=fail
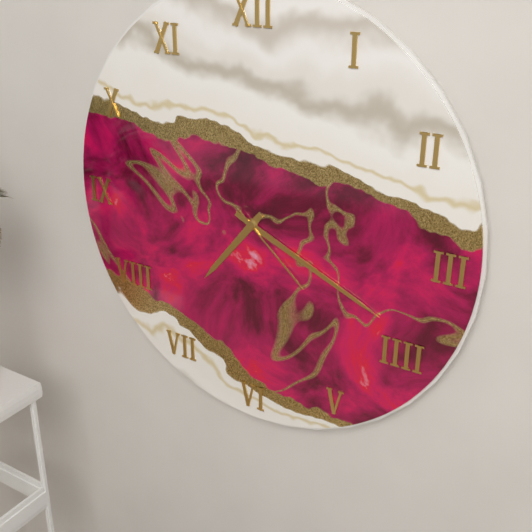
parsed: **7:19:22**
